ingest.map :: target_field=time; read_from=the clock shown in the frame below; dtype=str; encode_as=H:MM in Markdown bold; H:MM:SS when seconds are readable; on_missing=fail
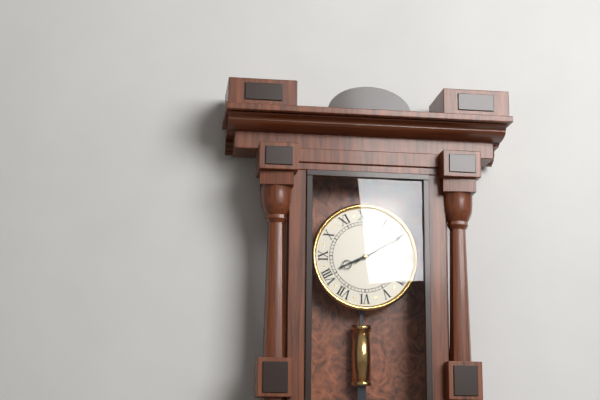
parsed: **8:10**
